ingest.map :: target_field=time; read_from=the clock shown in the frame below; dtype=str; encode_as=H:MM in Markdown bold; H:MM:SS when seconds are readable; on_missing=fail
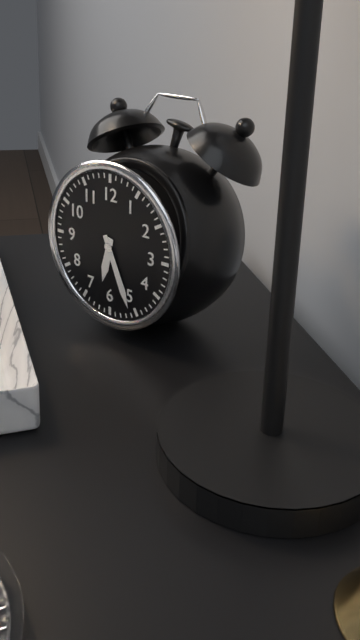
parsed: **6:26**
